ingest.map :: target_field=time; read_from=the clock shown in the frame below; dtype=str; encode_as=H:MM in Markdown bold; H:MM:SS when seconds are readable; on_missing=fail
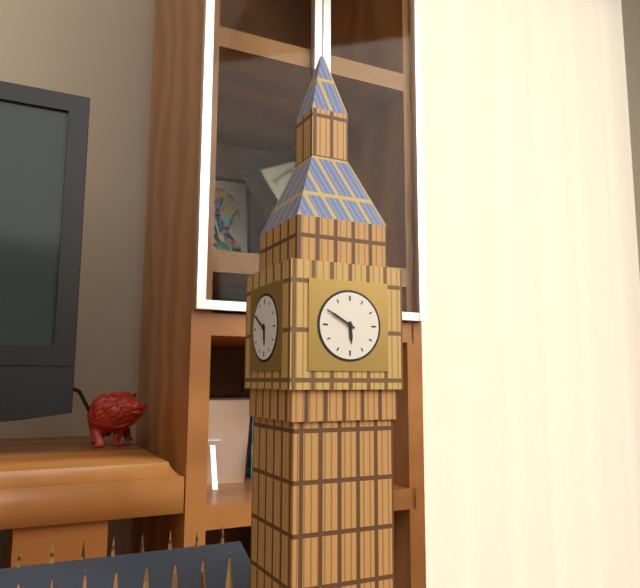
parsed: **5:50**
